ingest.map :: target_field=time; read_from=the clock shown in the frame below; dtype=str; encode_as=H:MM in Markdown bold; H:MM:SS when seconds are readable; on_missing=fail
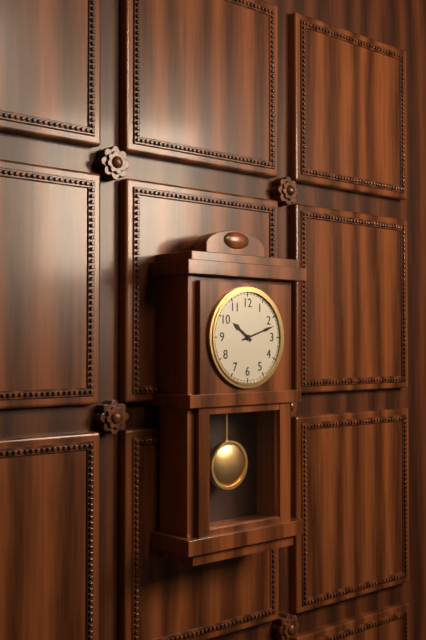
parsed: **10:12**
